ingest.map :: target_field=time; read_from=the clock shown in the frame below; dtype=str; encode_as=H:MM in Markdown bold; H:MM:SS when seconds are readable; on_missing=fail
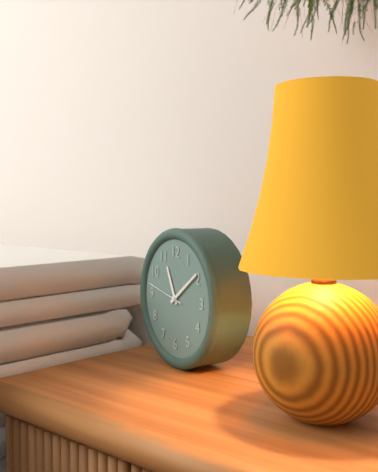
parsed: **11:09**
